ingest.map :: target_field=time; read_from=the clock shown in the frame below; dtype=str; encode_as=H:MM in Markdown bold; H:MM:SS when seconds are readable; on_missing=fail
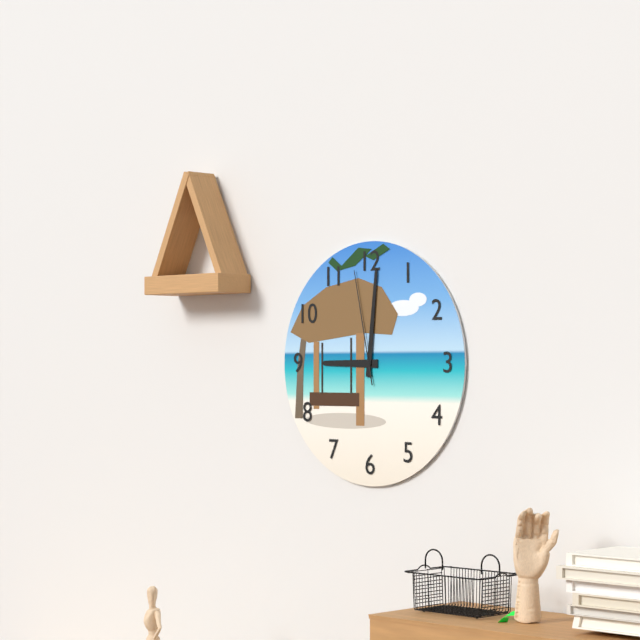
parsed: **9:01:58**
